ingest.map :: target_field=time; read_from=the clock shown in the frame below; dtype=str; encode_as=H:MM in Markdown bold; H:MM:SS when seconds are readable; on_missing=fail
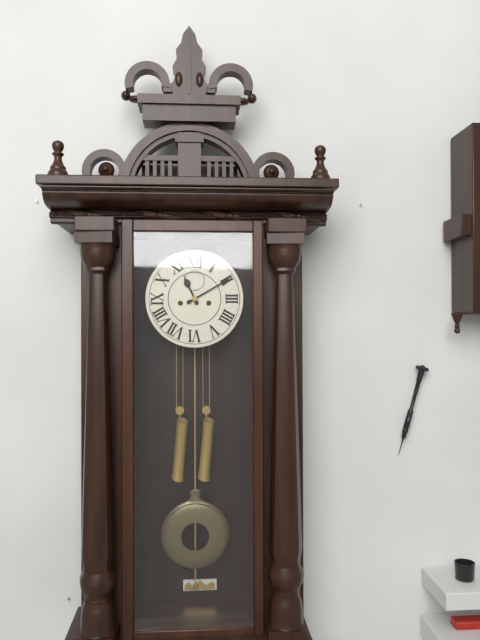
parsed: **11:10**
